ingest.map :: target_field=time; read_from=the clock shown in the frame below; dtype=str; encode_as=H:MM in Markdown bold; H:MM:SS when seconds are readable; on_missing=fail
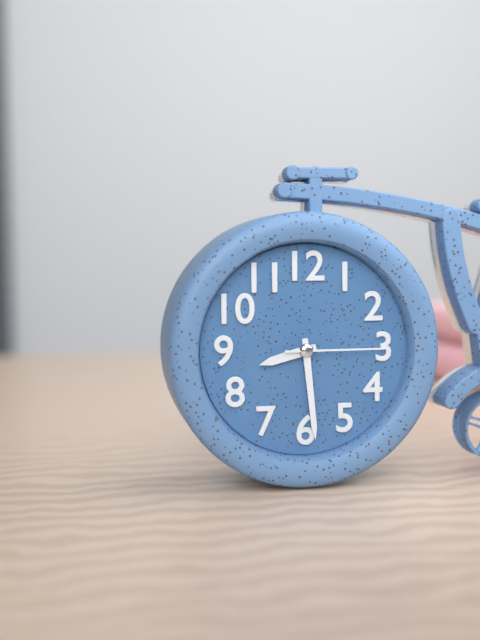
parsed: **8:29:15**
